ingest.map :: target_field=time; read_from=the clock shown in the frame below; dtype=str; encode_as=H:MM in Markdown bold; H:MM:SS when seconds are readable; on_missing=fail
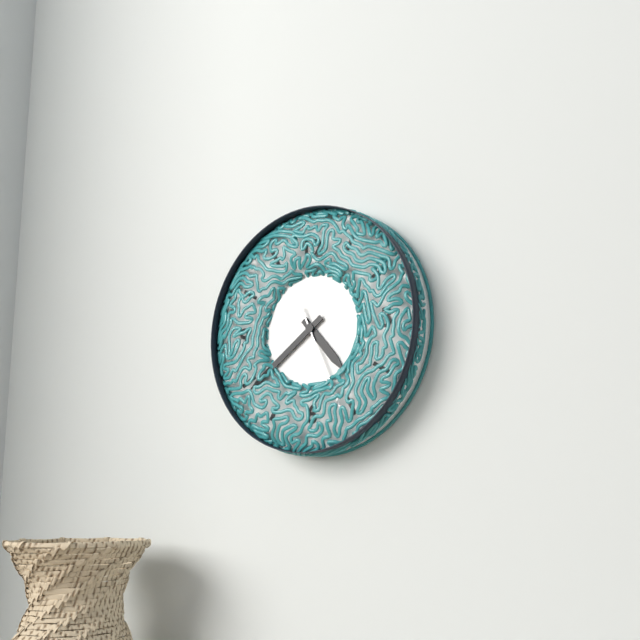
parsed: **4:39:26**
